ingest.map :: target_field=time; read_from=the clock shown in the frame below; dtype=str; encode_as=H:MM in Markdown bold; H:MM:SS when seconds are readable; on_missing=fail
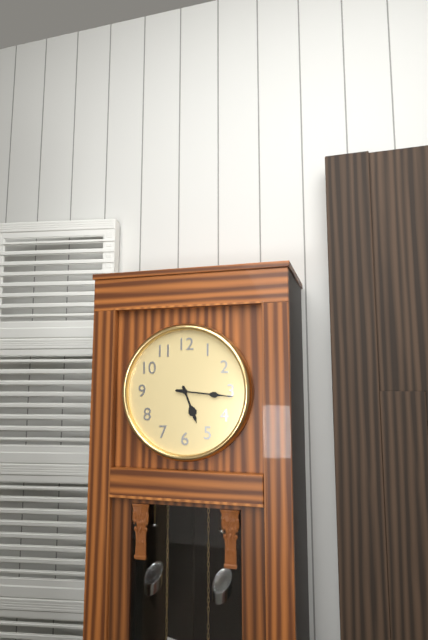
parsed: **5:16**
